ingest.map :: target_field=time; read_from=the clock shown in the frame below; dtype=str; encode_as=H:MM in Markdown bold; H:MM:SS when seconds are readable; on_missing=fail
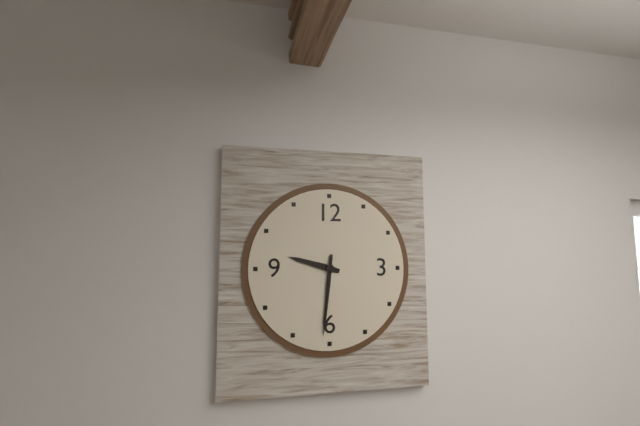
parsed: **9:31**
